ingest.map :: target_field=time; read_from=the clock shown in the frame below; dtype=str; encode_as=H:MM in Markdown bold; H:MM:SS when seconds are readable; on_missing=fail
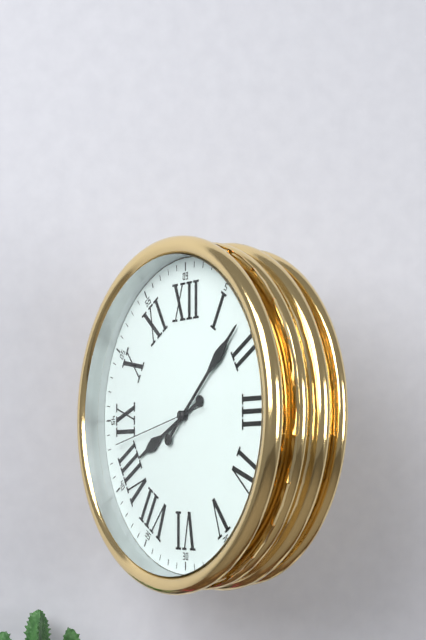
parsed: **8:08:43**
